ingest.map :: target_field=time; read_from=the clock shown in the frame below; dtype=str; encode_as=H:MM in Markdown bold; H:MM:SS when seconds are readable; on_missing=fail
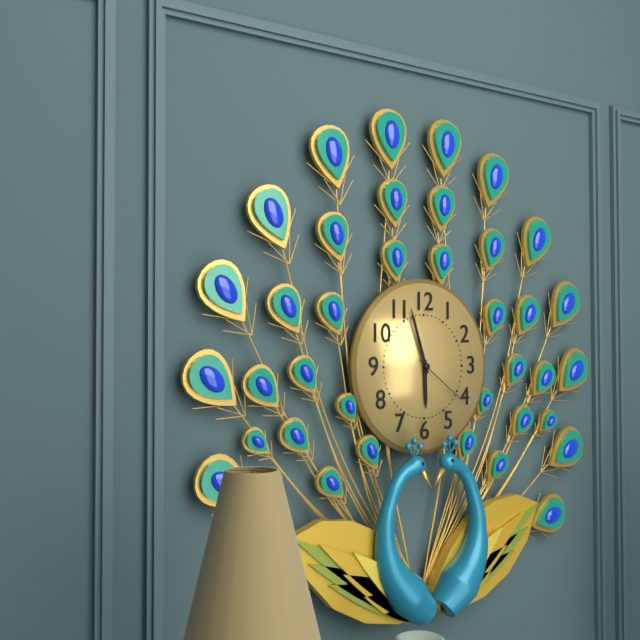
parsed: **5:57:21**
